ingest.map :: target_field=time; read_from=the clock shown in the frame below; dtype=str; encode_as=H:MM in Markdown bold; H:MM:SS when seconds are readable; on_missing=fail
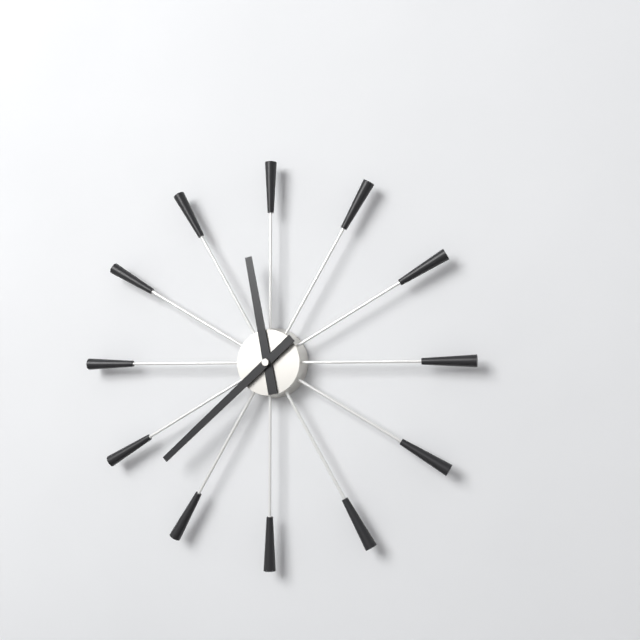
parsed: **11:38**
